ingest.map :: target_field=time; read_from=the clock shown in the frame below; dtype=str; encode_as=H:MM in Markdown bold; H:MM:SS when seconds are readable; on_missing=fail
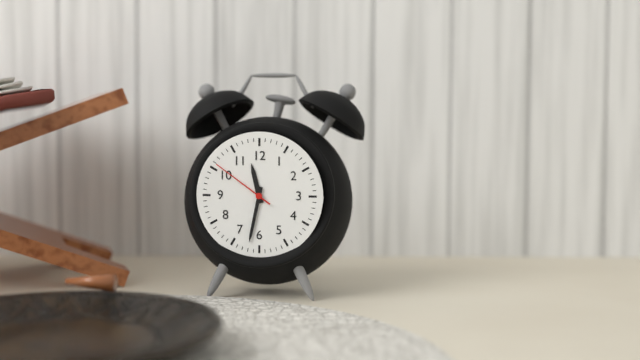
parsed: **11:32:51**
